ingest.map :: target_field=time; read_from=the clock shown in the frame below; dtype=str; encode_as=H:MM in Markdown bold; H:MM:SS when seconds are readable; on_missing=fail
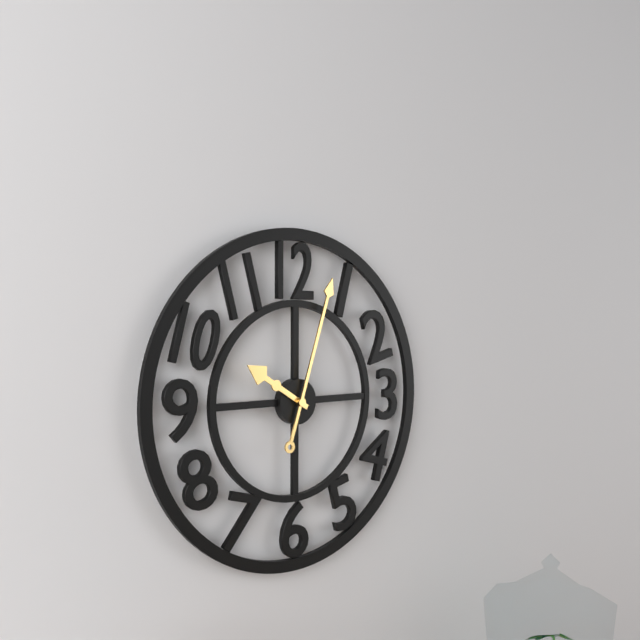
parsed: **10:03**
